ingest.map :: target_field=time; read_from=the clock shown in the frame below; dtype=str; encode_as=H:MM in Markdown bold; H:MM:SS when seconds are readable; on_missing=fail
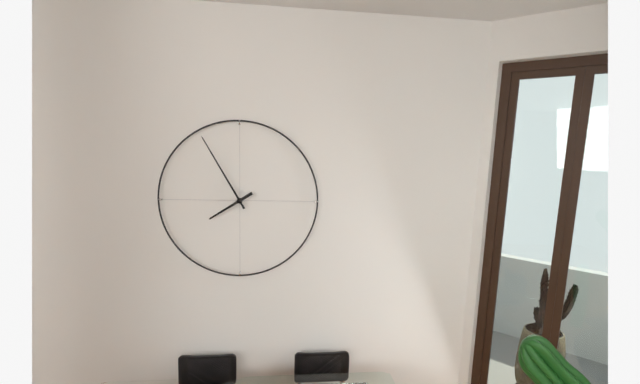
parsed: **7:55**
